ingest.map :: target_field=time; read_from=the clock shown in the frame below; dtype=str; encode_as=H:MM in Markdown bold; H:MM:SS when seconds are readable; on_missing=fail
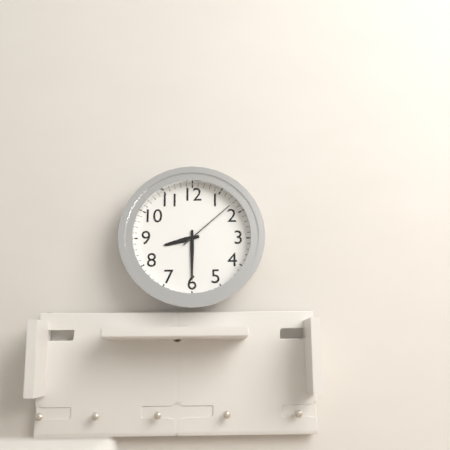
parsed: **8:30:08**
